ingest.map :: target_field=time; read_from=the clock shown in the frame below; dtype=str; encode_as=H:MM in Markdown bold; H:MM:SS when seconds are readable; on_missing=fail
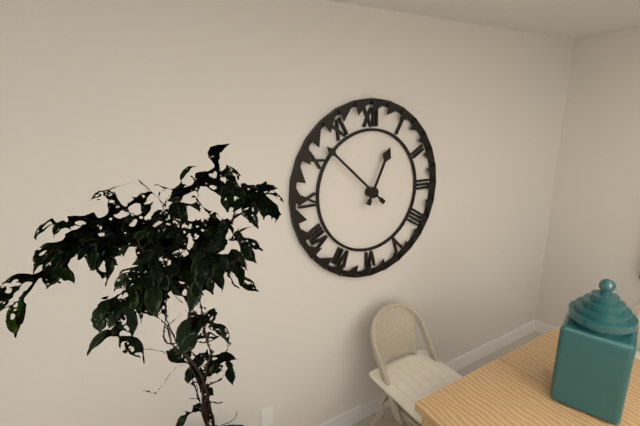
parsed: **12:52**
